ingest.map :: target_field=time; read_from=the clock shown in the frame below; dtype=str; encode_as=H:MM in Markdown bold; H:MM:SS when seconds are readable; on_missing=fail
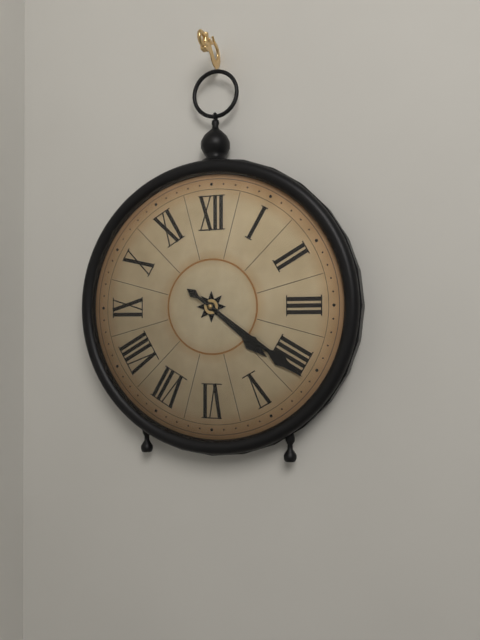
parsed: **4:21**
